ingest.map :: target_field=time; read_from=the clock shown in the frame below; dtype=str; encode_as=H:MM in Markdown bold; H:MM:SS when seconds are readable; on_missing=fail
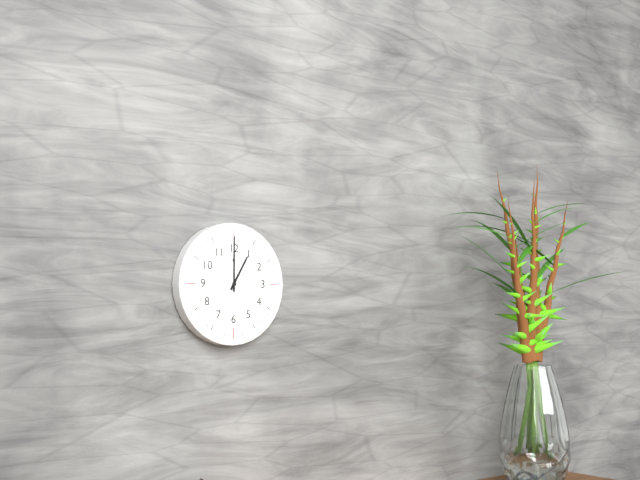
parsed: **1:00**
